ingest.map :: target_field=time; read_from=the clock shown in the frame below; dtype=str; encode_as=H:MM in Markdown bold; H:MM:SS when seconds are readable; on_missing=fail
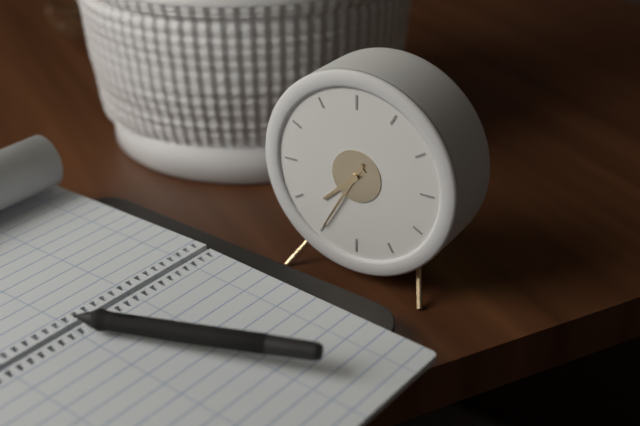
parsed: **7:35**
